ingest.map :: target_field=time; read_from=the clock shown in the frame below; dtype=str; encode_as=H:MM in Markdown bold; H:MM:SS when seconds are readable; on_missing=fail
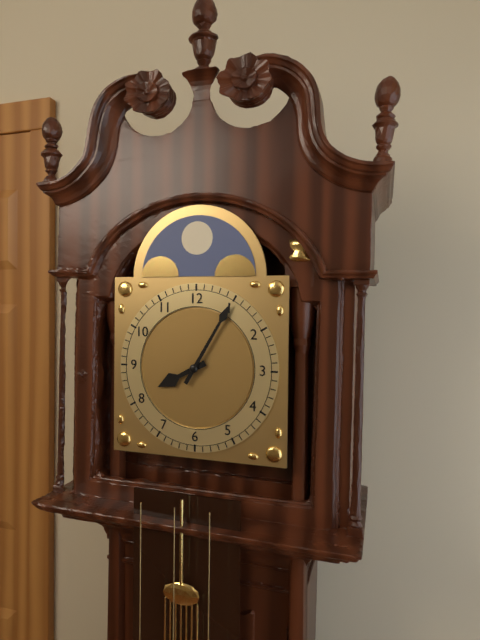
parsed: **8:05**
